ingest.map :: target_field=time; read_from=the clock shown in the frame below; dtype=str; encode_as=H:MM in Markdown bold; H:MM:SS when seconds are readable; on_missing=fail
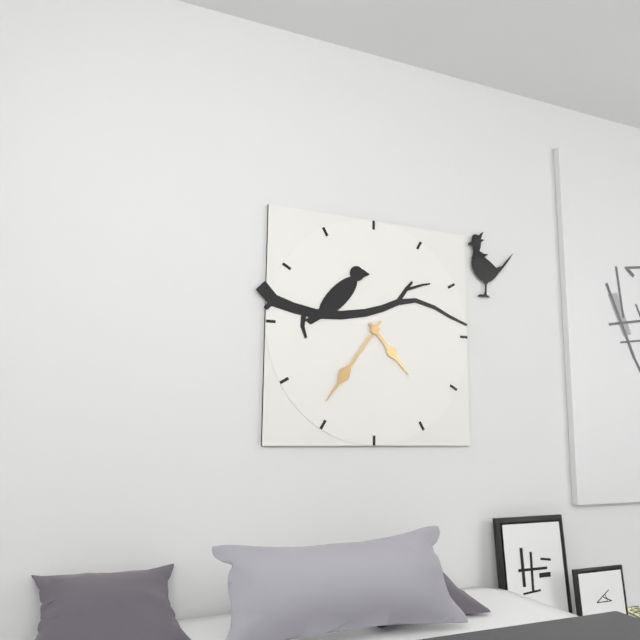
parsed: **4:36**
